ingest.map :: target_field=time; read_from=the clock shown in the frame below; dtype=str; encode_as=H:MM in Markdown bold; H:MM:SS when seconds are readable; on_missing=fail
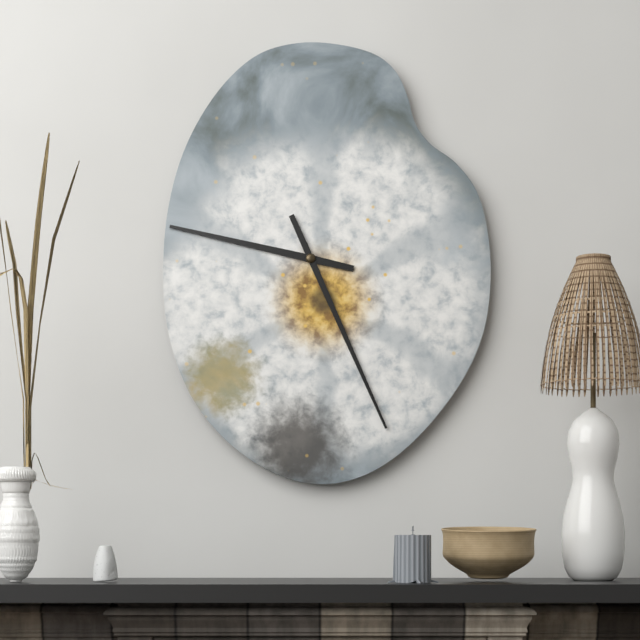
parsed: **9:26**
